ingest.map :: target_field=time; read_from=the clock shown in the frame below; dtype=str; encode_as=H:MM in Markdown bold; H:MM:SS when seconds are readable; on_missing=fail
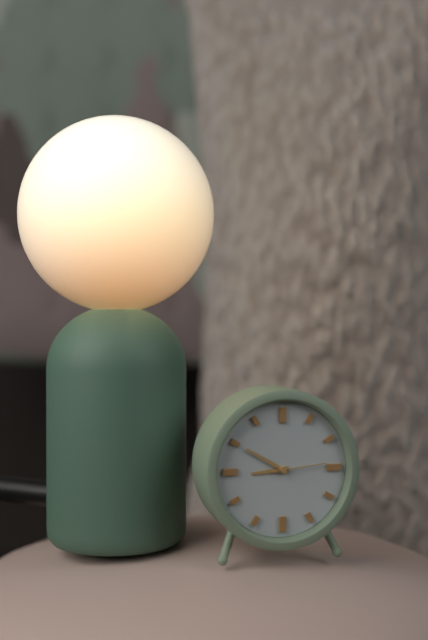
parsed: **8:50:14**
